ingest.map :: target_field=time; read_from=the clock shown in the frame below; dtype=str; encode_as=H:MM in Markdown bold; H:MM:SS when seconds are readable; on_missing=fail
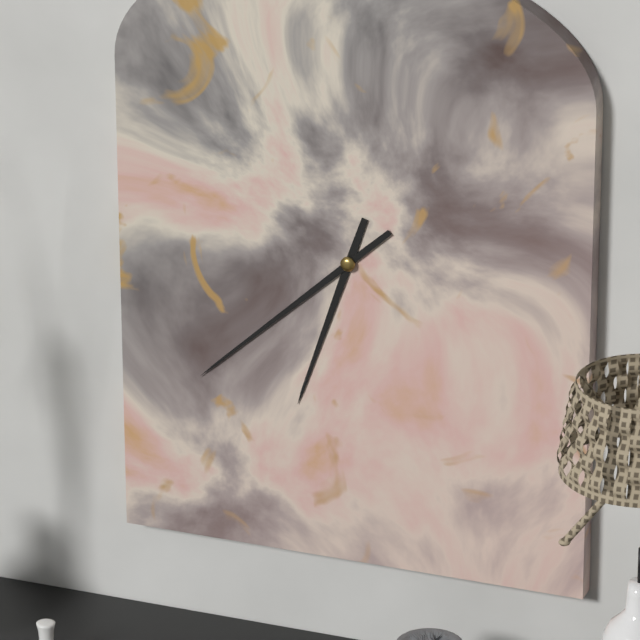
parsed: **6:38**
